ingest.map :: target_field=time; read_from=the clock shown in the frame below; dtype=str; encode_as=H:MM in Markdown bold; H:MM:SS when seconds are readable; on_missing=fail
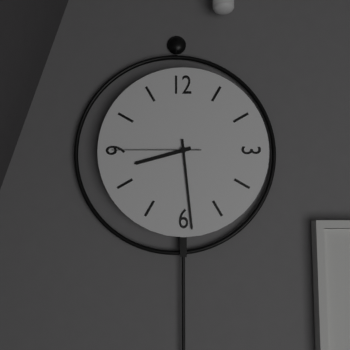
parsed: **8:29:45**
